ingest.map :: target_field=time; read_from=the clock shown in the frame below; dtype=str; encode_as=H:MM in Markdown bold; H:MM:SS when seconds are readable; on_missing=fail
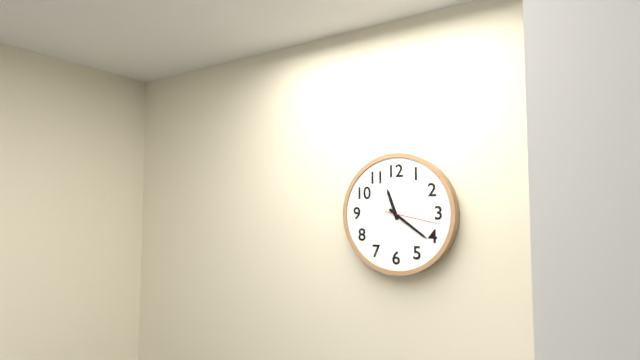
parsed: **11:21:17**
